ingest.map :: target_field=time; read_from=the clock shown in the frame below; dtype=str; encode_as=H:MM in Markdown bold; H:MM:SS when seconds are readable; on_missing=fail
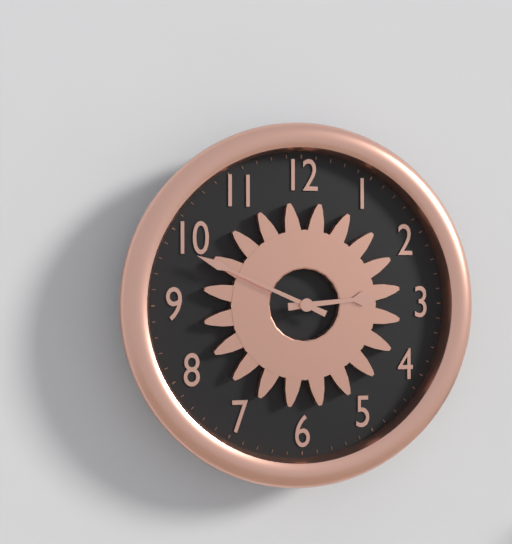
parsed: **2:49**
